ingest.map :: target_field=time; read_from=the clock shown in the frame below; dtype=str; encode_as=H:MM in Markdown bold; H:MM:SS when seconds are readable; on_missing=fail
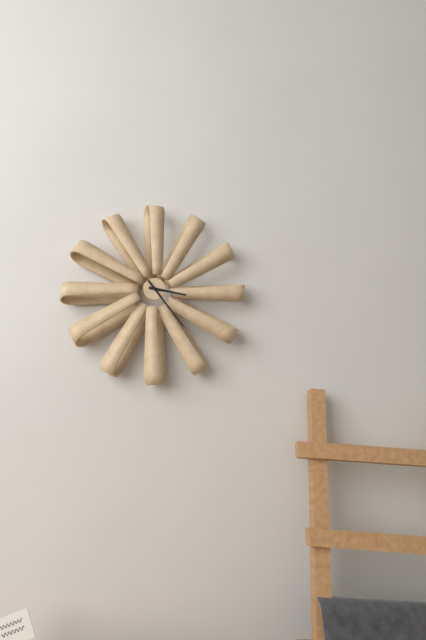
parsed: **3:24**
